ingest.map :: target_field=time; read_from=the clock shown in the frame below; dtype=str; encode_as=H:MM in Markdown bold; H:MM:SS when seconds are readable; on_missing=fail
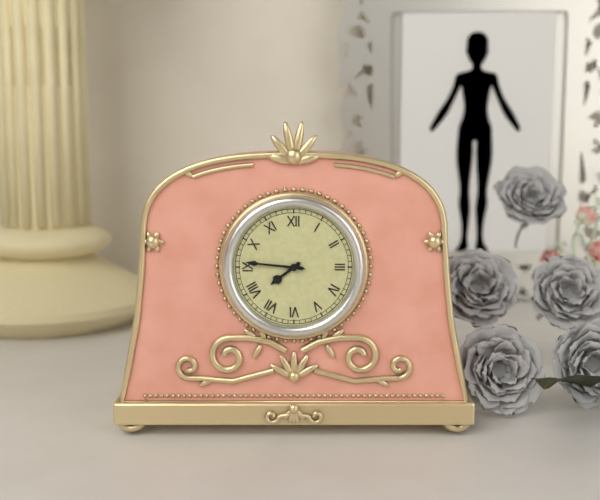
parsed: **7:46**
